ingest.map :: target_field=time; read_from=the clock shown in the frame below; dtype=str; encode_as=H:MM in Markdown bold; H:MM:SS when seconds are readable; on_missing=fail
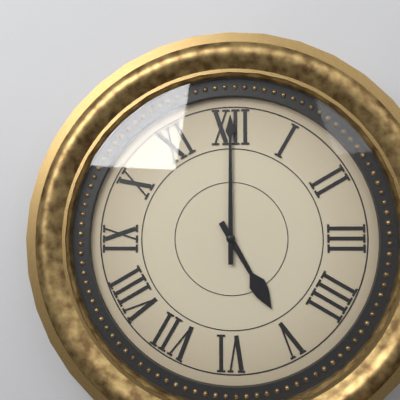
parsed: **5:00**
